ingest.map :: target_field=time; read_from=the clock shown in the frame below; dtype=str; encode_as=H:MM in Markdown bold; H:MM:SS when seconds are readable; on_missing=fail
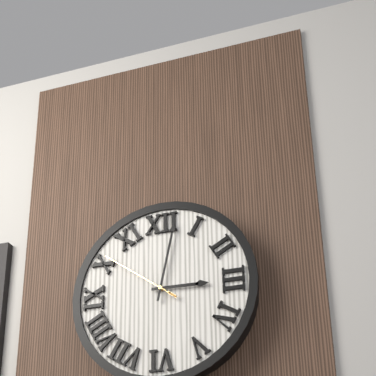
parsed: **3:02:51**
